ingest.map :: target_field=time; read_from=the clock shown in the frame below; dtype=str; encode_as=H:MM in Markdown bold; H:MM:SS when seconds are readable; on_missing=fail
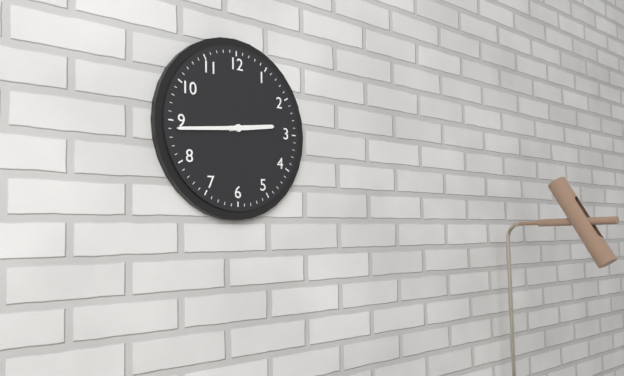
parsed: **2:44**
